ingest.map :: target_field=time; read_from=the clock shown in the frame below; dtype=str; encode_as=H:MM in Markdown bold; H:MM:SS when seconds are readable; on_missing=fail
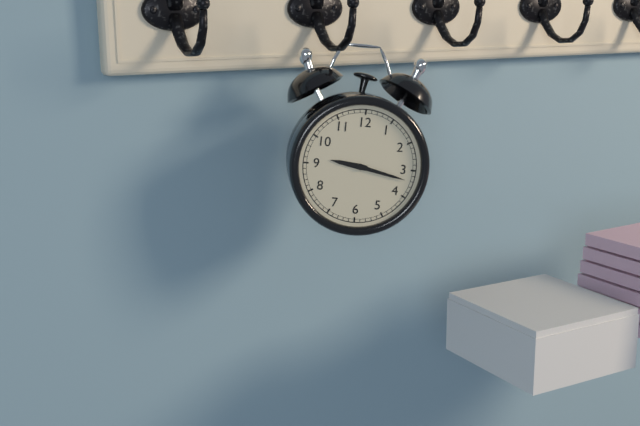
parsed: **9:17**
